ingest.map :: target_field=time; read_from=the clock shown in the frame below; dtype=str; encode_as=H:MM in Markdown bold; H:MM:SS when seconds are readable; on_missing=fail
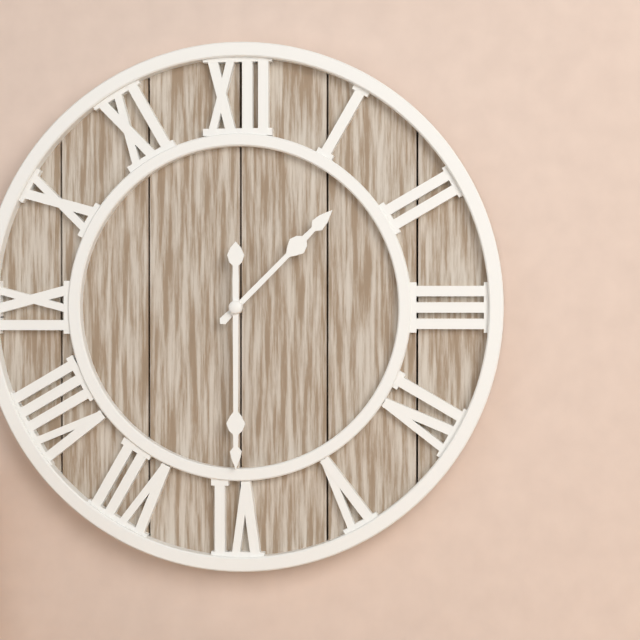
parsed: **1:30**
